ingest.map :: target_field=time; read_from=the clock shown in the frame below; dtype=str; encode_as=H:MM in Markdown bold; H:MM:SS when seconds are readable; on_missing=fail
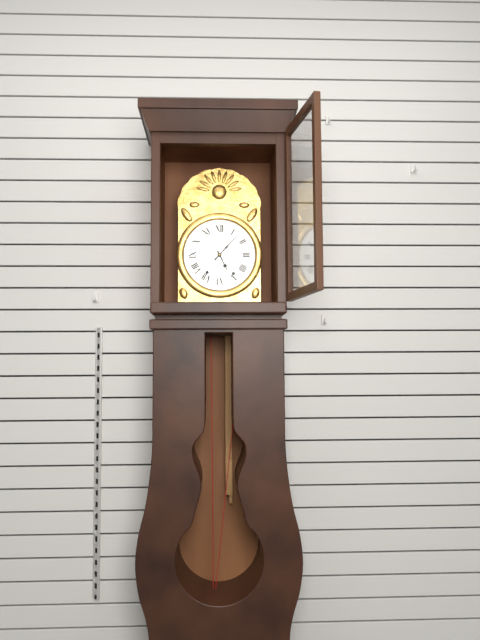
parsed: **5:07**
